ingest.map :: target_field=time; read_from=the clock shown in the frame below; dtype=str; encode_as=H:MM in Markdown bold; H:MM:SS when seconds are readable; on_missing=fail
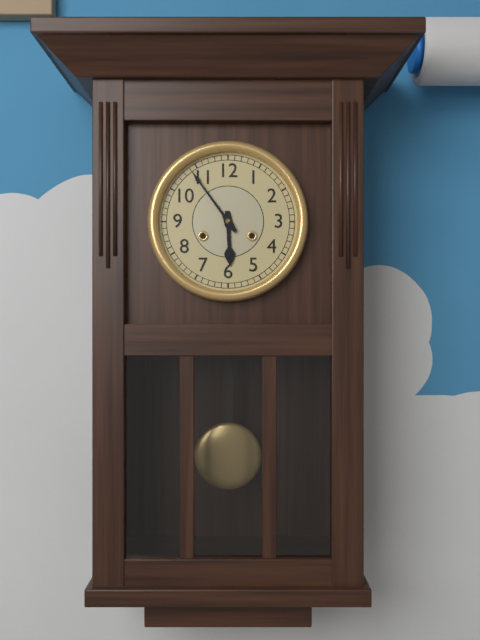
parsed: **5:54**
